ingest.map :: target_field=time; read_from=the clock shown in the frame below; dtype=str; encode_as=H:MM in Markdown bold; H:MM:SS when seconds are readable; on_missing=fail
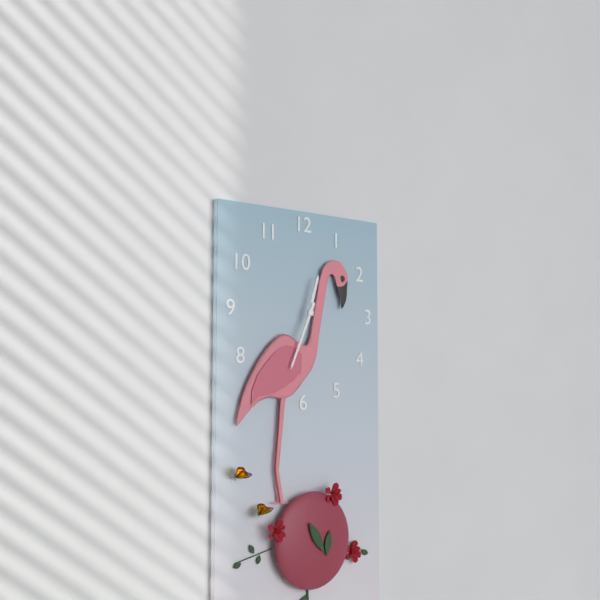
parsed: **12:34**
